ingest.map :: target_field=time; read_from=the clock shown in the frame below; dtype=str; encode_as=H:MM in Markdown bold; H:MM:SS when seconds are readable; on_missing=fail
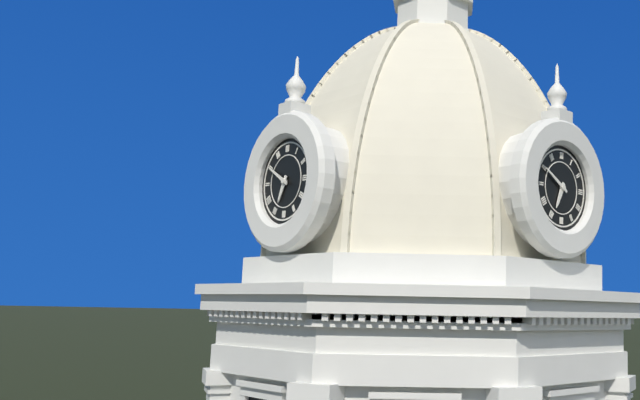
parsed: **6:50**
